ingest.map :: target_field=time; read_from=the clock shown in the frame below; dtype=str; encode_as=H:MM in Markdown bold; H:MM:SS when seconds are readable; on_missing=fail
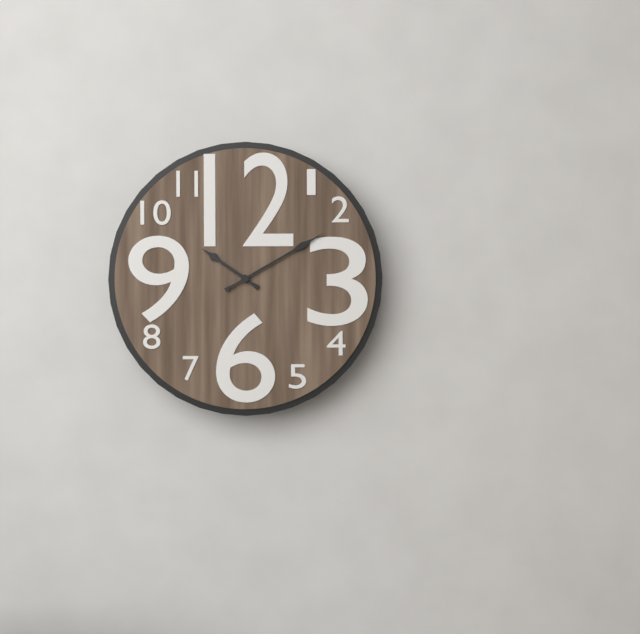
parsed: **10:10**
